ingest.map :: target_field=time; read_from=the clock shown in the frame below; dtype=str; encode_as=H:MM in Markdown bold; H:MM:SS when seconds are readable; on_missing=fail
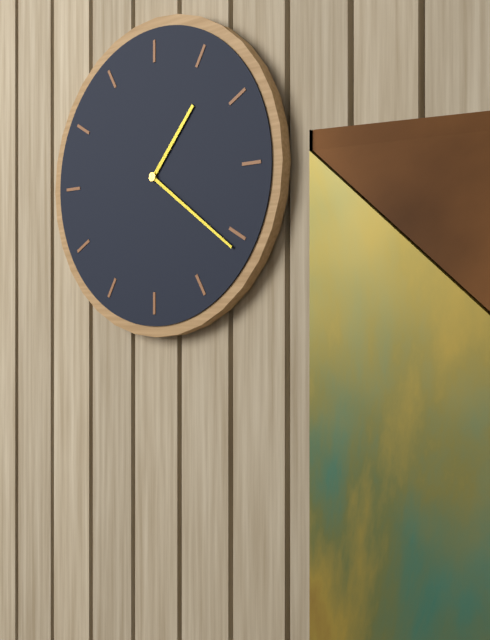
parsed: **1:21**
